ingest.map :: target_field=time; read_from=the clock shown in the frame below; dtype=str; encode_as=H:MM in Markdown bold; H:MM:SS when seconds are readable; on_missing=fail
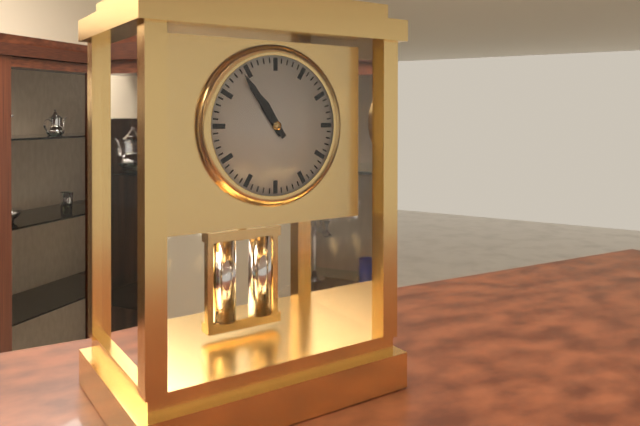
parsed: **10:54**
